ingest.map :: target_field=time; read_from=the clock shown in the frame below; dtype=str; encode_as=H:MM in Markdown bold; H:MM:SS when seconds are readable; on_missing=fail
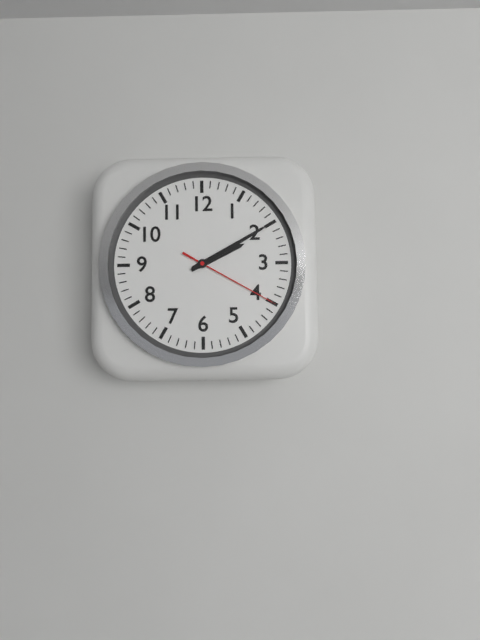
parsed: **2:10:20**
